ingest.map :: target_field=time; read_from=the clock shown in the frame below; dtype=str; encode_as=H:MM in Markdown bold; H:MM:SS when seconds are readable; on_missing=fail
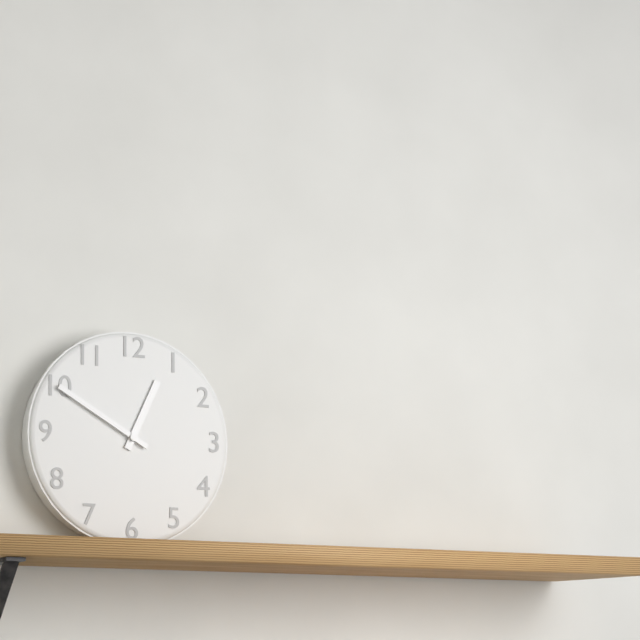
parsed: **12:50**
